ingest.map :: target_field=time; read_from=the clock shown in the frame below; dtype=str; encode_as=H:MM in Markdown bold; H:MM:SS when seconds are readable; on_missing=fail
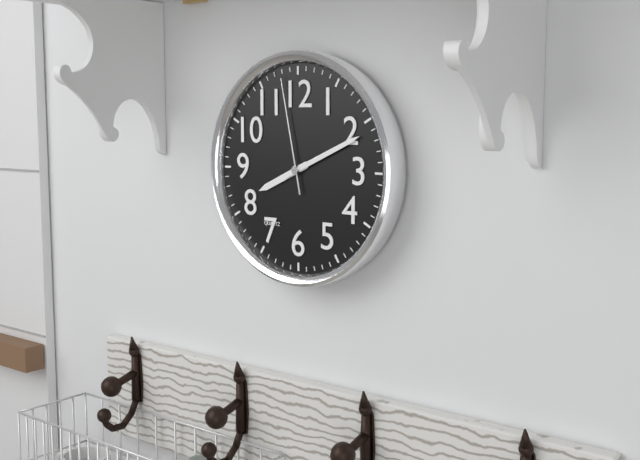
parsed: **8:11:58**
